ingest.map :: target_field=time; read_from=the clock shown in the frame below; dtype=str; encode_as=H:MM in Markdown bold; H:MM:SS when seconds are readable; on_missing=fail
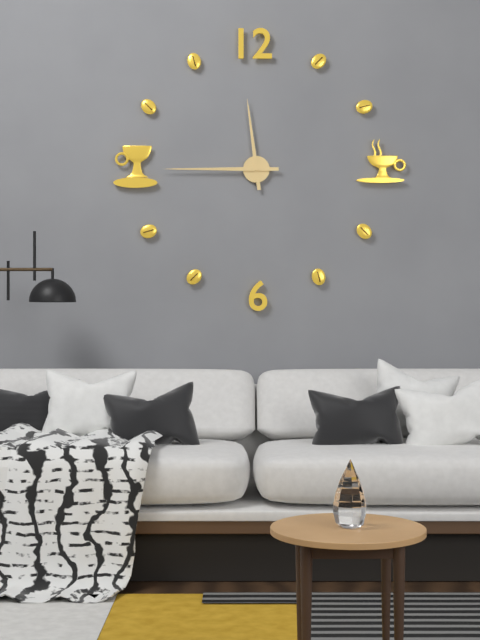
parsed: **11:45**
